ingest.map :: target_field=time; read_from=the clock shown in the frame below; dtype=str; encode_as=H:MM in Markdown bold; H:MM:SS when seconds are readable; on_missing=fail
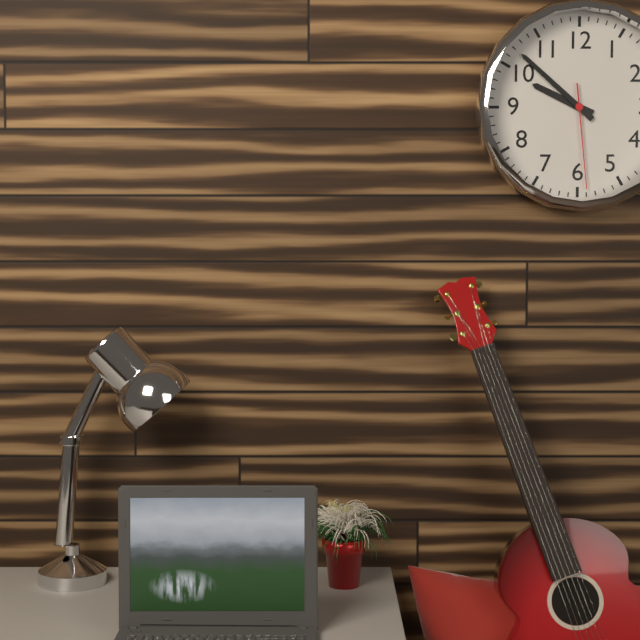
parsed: **9:52:29**
